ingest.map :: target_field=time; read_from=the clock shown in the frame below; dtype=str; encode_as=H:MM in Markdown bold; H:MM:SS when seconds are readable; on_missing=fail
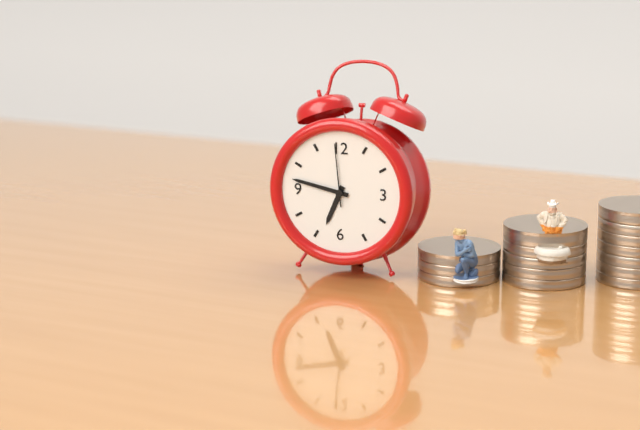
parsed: **6:47:59**
